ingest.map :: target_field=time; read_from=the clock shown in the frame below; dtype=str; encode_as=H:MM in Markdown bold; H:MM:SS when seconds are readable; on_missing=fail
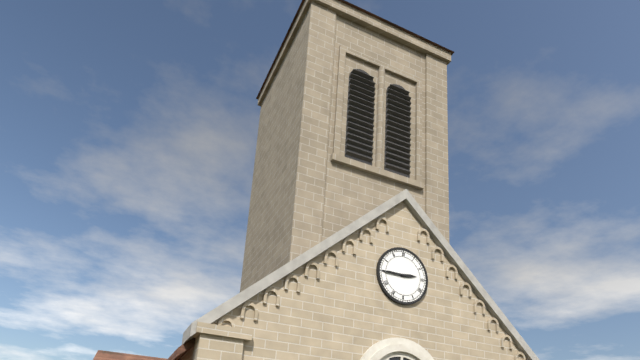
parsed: **2:45**
